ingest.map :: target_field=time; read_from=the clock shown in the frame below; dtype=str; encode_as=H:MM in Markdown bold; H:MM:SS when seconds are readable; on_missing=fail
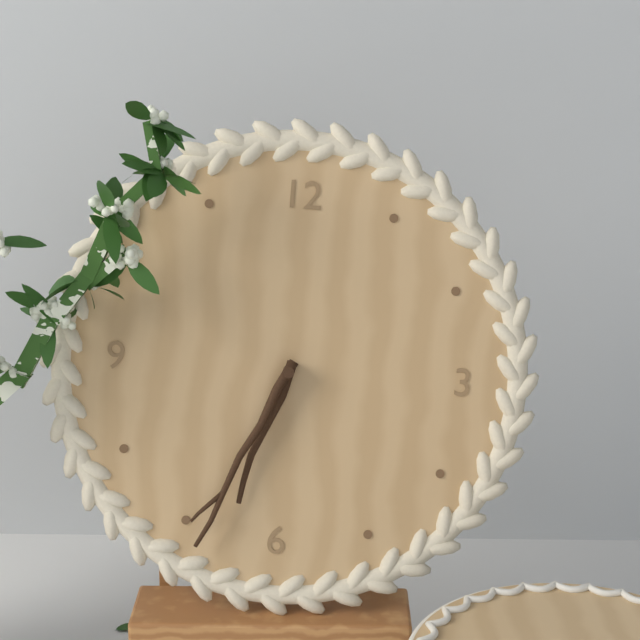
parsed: **6:34**
